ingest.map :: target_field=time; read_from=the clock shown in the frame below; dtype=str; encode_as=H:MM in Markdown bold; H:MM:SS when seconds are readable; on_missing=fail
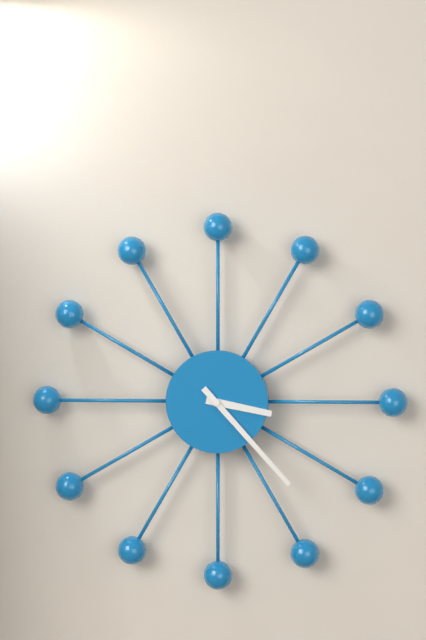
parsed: **3:23**
